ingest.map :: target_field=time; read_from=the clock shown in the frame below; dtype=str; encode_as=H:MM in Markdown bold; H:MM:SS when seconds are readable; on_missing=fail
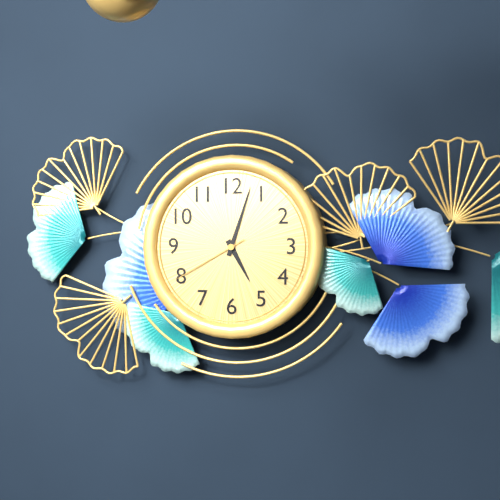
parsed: **5:03:40**
